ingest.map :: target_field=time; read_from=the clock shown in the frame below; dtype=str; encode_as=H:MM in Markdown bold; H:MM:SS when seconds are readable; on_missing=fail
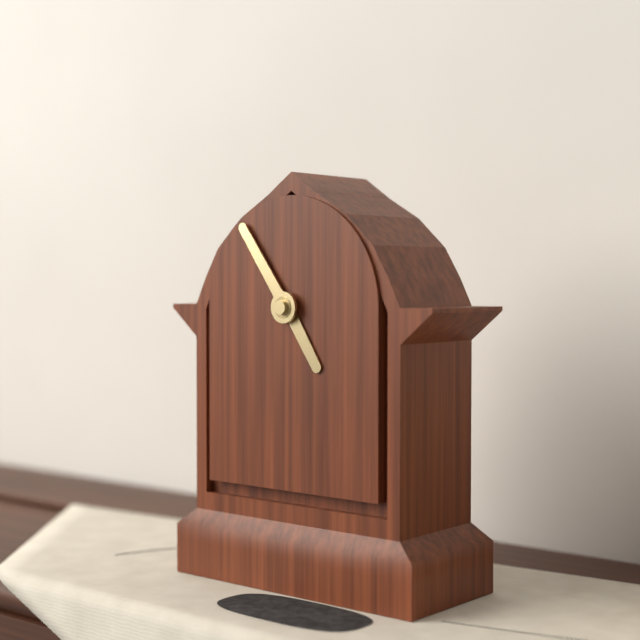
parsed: **4:54**
